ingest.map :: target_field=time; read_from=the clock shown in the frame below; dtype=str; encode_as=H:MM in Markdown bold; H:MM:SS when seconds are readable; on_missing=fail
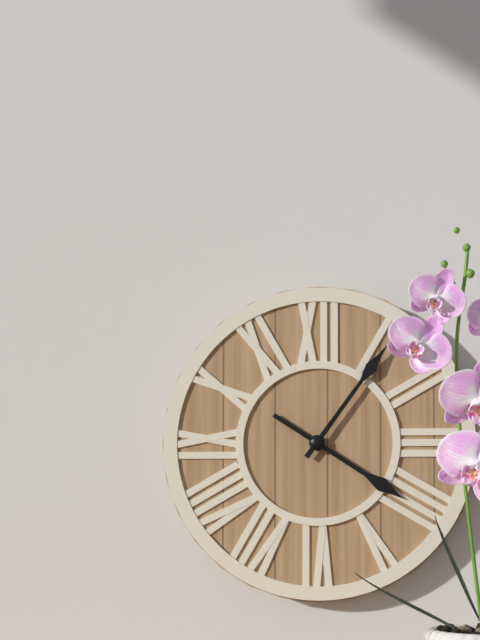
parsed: **4:06**
